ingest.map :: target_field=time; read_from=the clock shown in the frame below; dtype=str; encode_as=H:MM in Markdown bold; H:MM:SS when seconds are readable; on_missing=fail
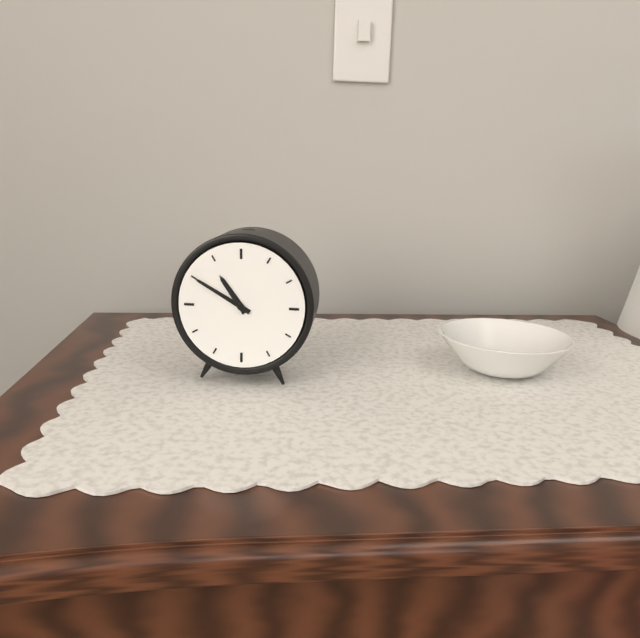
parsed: **10:50**
